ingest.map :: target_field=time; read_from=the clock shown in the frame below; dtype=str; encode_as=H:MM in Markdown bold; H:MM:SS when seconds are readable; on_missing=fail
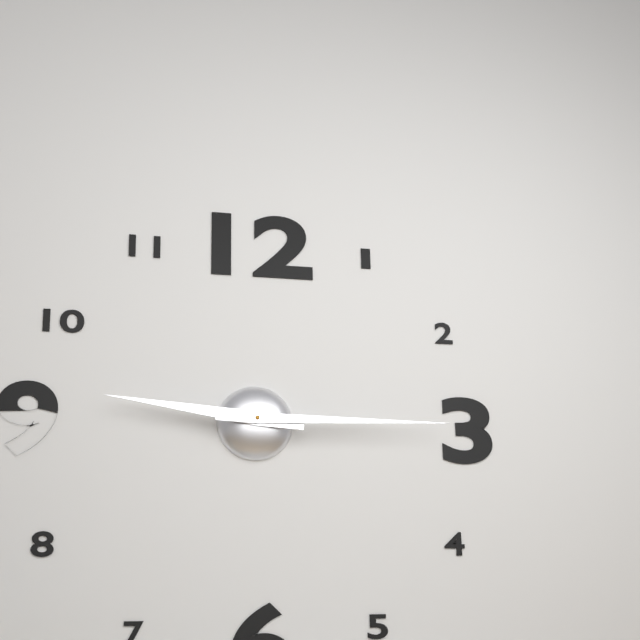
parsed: **9:15**
